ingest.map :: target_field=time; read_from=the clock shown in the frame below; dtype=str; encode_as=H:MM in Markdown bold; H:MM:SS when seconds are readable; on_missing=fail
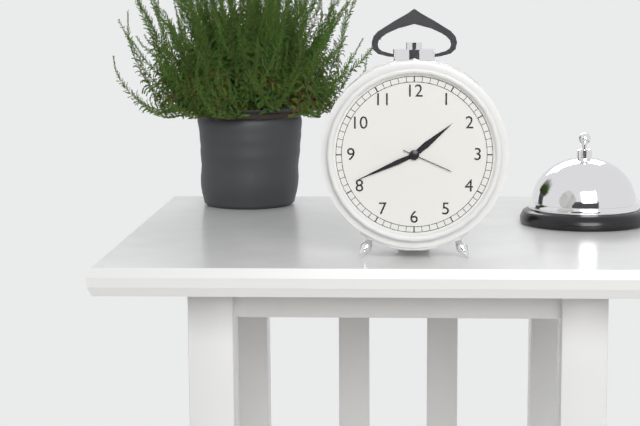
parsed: **1:41:19**
